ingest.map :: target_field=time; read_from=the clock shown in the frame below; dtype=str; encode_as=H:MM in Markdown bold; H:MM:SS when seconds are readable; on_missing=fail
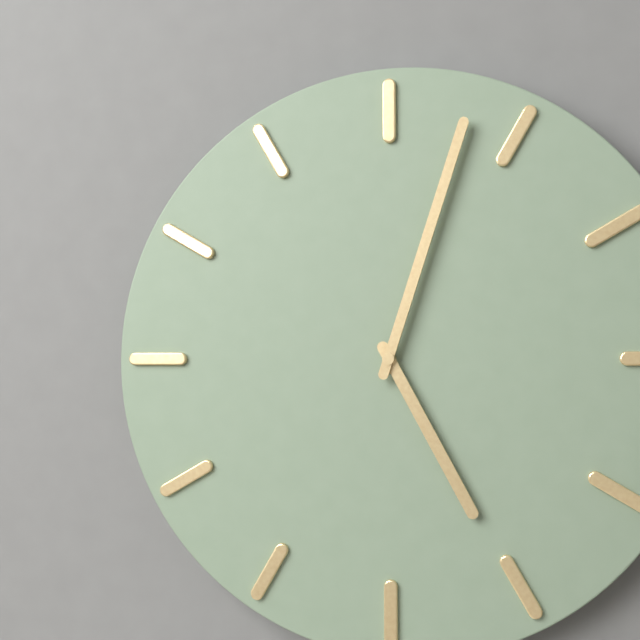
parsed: **5:03**
